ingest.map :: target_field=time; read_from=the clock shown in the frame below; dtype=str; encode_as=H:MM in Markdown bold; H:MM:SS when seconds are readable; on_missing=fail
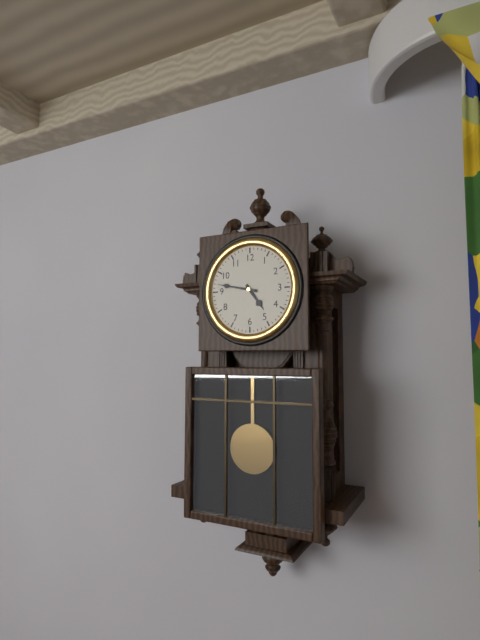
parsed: **4:47**
